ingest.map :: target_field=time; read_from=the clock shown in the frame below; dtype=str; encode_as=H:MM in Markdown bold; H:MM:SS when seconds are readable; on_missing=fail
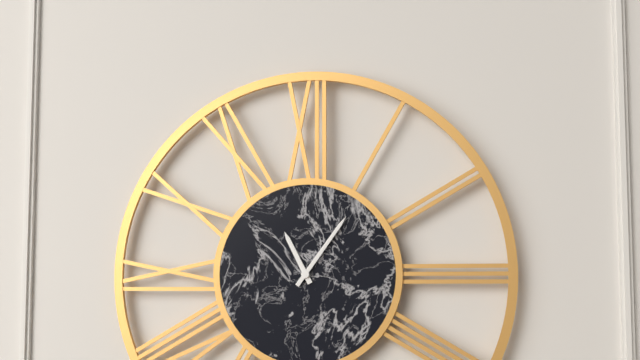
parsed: **11:06**
